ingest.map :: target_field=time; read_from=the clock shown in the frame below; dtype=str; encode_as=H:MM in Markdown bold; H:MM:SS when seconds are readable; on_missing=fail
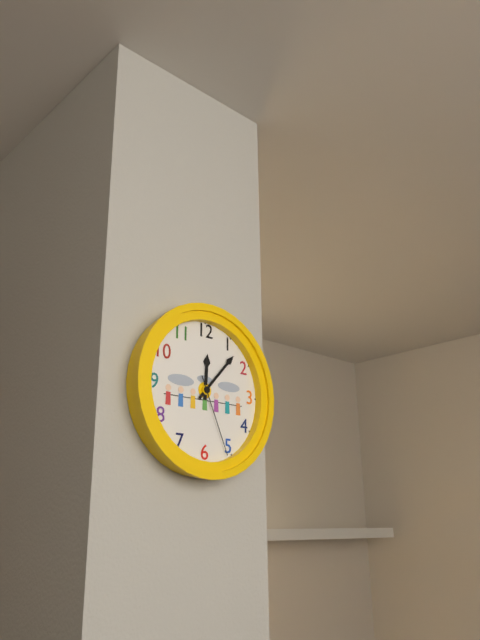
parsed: **12:07:26**
